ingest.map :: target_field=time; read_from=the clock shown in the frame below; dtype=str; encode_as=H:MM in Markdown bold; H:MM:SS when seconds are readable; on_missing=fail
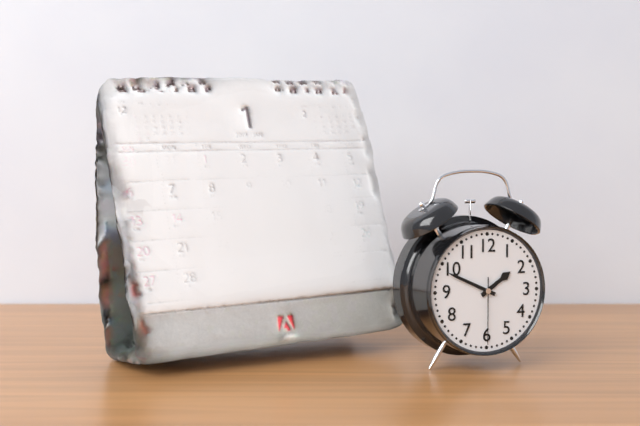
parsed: **1:49:30**
